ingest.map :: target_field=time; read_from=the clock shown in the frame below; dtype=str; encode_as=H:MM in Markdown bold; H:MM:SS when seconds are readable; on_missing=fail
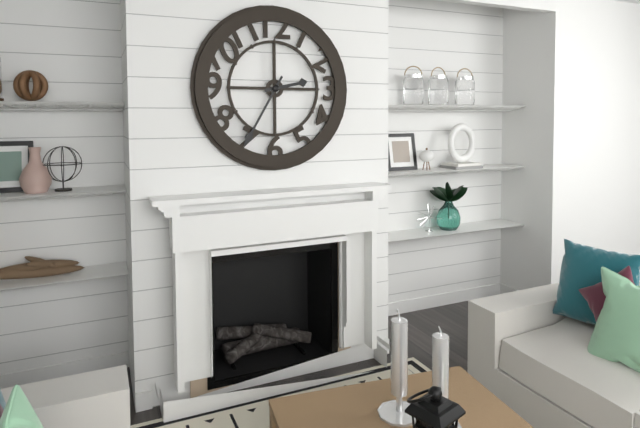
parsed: **2:35**
